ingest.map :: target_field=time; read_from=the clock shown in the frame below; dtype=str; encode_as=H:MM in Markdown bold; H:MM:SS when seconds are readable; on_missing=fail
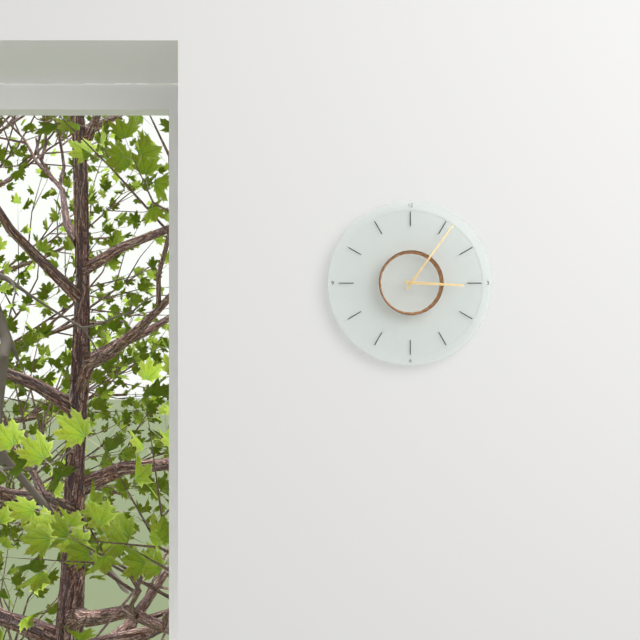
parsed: **3:06**
